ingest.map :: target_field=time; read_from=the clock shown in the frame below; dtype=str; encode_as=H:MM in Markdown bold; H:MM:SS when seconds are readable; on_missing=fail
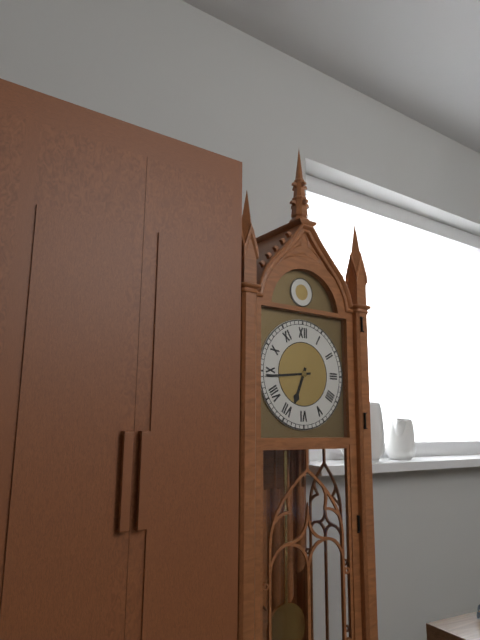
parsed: **6:44**
